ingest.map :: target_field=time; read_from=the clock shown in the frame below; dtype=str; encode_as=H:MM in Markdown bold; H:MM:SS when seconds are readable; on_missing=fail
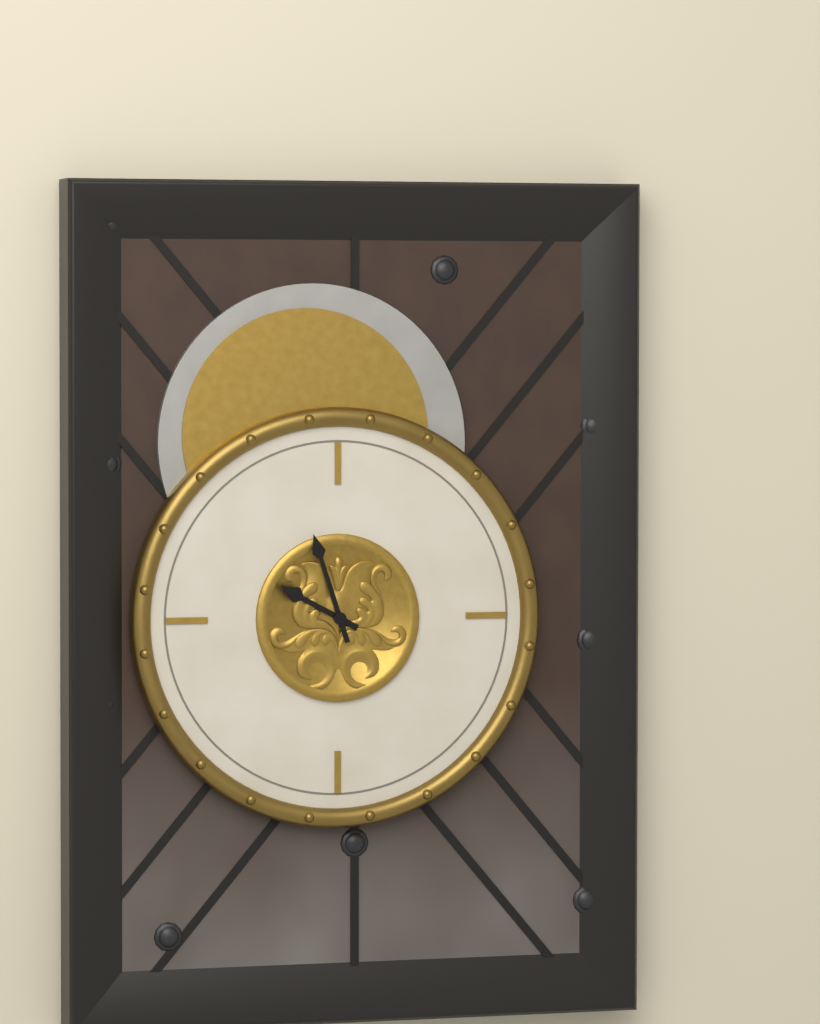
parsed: **9:57**
